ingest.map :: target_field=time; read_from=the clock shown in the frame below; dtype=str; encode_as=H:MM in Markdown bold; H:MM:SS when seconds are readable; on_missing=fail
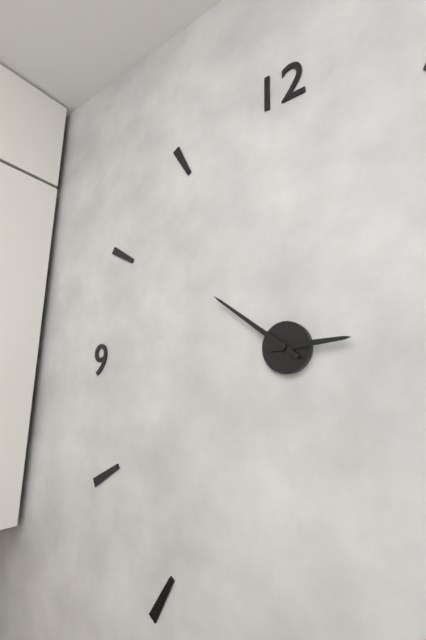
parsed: **2:51**
